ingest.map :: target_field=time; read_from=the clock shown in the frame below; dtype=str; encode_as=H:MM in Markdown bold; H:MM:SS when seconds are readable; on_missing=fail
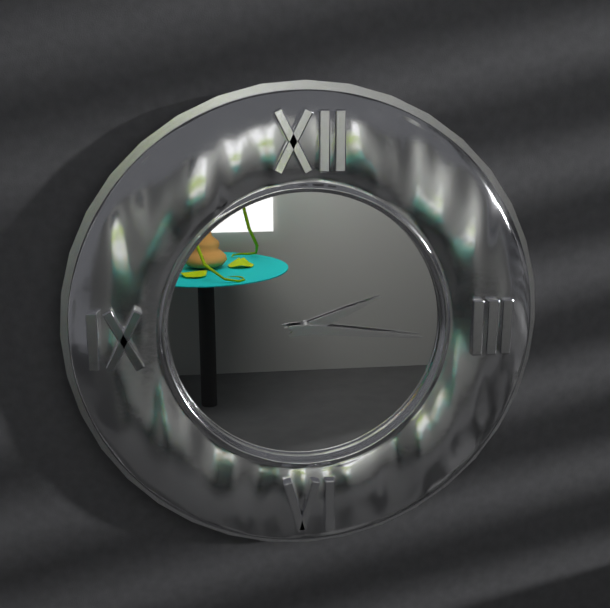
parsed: **2:16**
